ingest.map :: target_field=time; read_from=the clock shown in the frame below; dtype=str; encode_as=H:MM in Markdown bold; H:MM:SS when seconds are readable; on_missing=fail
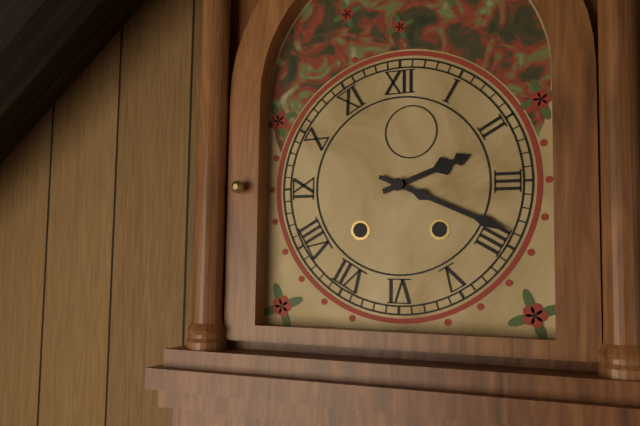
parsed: **2:19**
